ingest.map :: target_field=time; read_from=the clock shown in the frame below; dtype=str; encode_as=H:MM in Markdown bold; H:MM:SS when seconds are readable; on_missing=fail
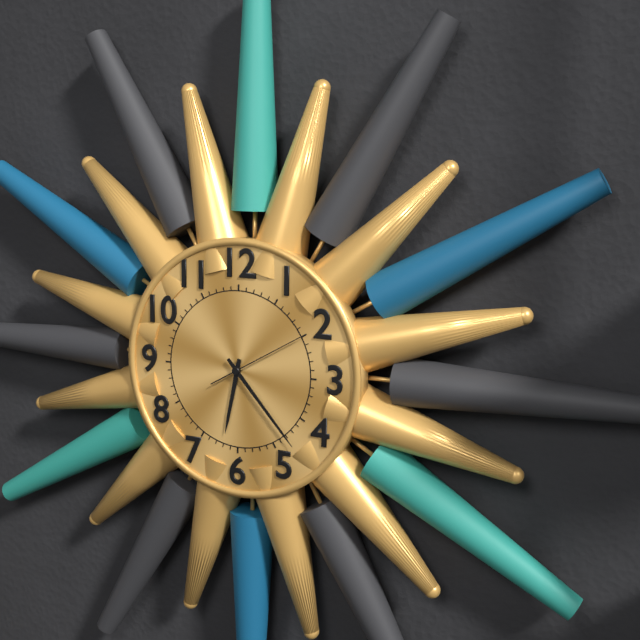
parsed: **6:23:10**
